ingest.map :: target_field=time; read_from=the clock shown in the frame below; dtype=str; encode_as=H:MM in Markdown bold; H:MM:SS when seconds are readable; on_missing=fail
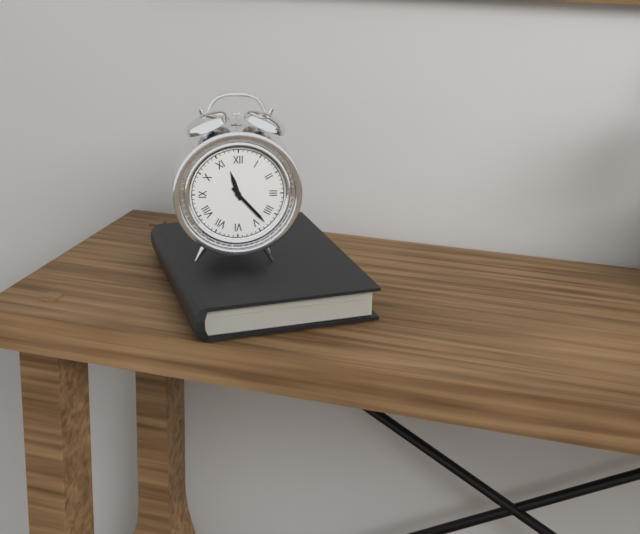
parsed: **11:23**
